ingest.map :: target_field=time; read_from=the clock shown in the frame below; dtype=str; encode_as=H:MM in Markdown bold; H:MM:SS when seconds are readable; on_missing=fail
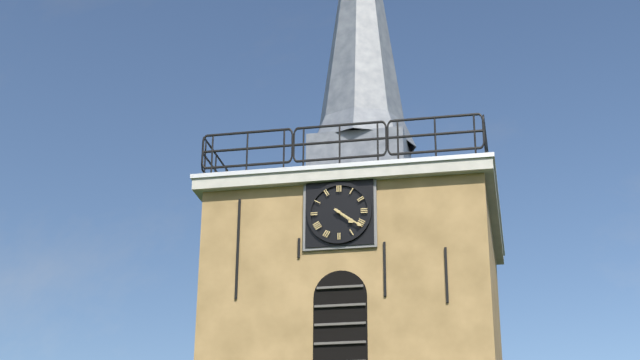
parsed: **4:21**
